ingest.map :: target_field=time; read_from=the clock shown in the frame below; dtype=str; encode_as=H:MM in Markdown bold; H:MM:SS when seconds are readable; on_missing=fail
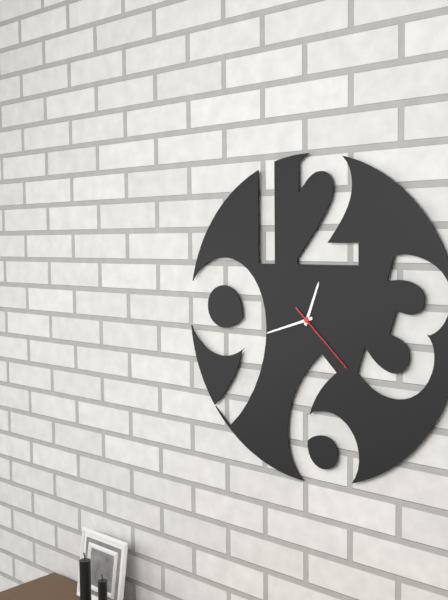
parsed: **12:42:22**
